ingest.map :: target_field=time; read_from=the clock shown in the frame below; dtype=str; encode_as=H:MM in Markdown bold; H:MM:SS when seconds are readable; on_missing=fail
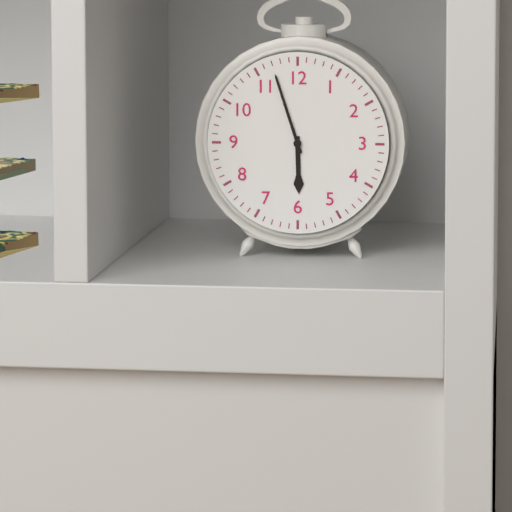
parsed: **5:57**
